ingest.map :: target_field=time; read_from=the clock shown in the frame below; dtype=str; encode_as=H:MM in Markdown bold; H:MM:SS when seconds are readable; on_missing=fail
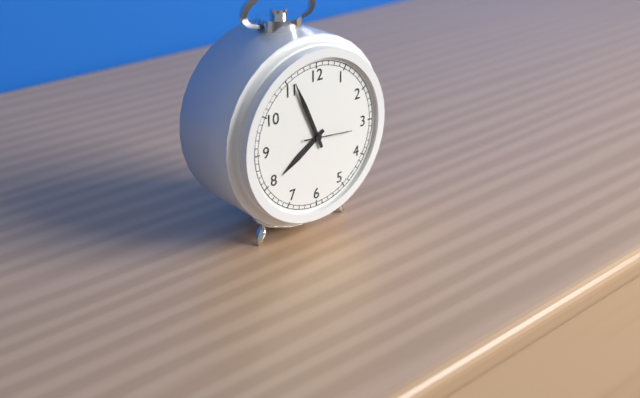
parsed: **7:56**
